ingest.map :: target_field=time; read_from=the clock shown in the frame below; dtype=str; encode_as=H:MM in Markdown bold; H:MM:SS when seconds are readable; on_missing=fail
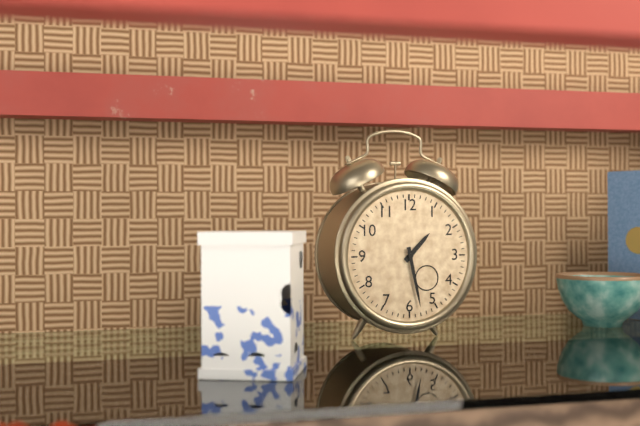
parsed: **1:28**
